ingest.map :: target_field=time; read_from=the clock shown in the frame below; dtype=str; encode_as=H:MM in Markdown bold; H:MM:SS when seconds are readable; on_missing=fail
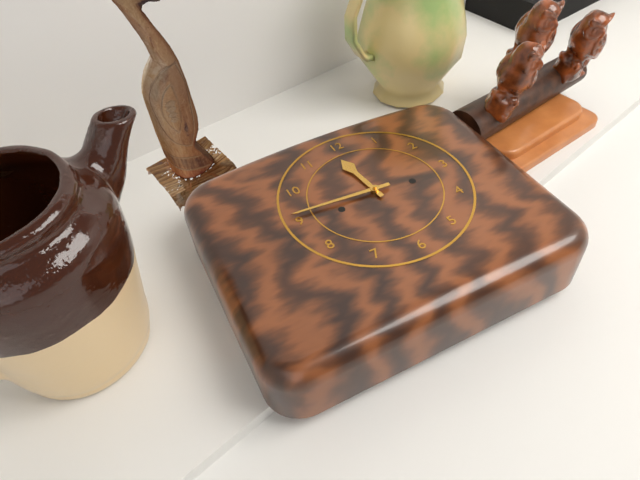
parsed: **11:46**
